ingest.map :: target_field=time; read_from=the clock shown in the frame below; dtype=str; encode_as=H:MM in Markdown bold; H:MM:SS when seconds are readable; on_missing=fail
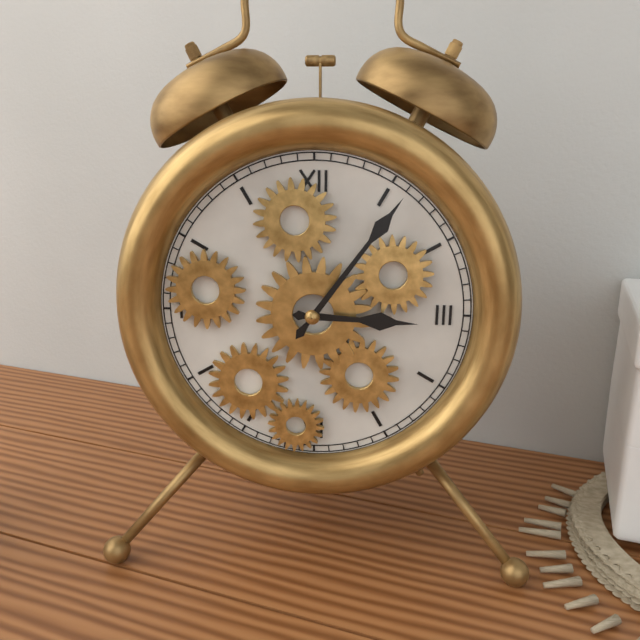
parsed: **3:06**
